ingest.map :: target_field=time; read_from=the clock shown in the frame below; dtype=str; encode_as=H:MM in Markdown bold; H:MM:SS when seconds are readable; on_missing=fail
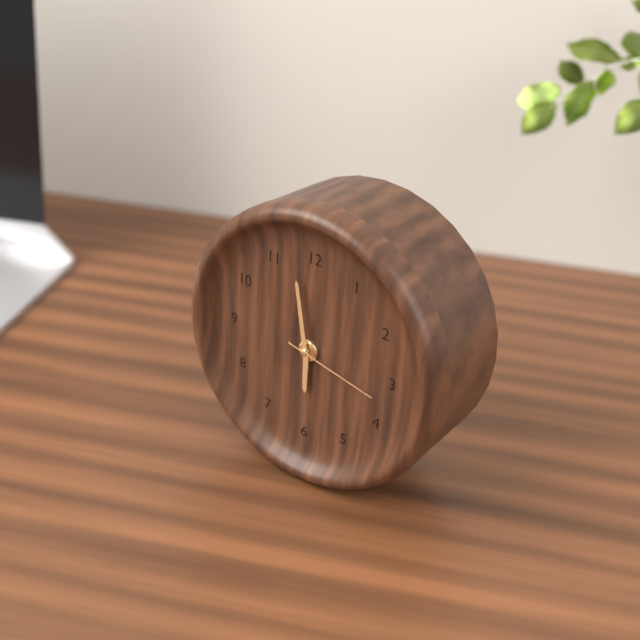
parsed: **5:58:17**
